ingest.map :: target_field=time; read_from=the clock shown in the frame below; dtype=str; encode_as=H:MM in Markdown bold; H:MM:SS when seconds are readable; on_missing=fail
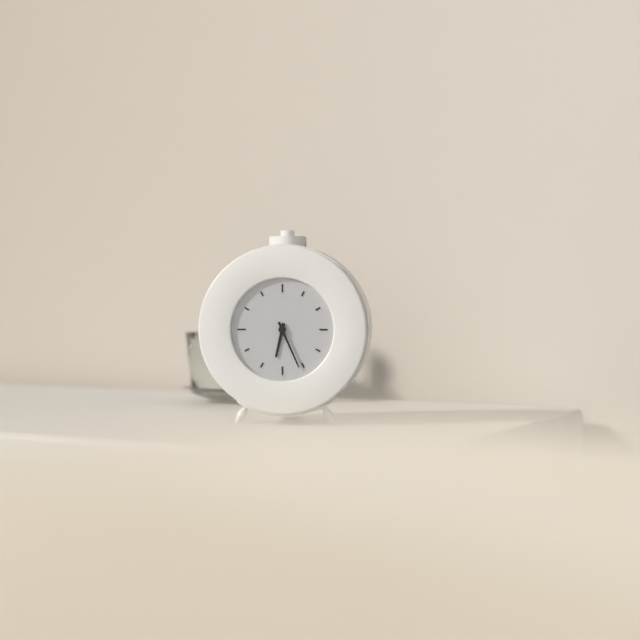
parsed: **6:26**
